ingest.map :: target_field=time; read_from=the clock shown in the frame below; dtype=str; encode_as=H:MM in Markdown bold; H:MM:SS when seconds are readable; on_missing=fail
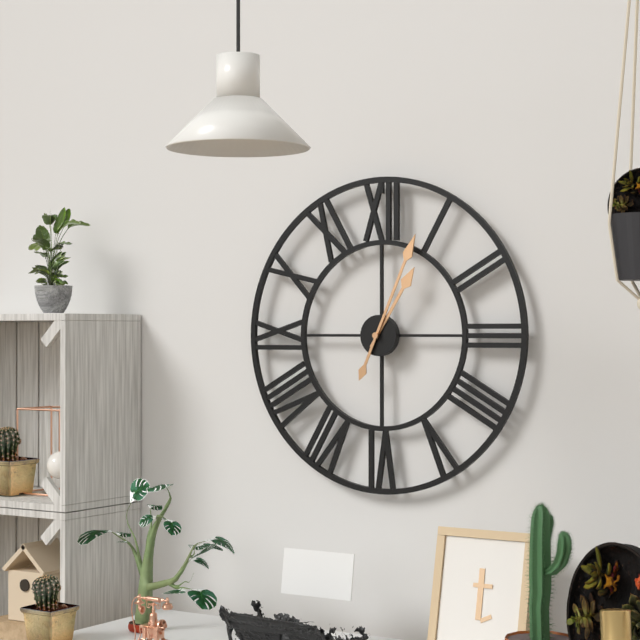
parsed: **1:04**
